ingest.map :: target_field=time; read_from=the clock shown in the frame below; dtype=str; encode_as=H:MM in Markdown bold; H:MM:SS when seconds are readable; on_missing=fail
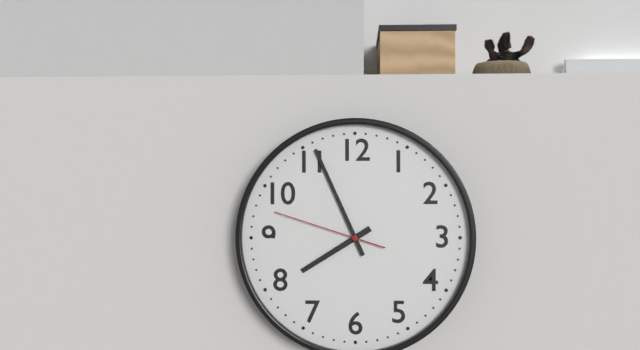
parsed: **7:56:48**
